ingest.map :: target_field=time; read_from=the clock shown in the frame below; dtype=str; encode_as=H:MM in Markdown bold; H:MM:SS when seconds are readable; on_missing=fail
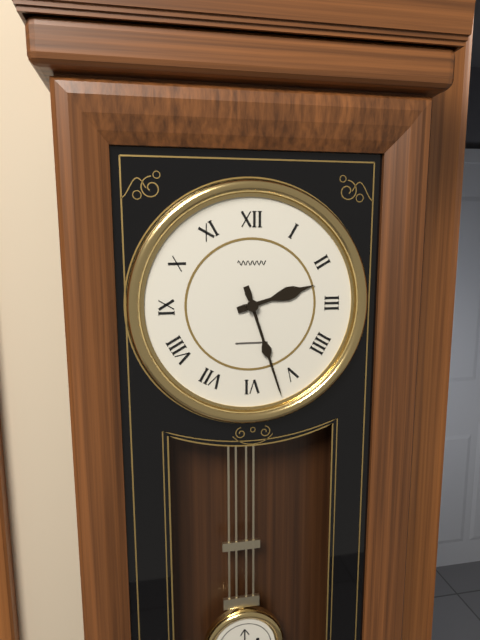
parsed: **2:27**
